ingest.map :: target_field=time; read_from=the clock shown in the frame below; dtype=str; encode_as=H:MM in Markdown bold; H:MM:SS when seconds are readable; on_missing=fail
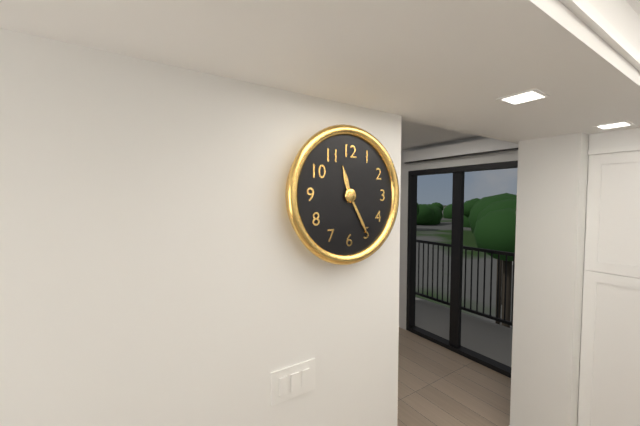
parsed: **11:25**
